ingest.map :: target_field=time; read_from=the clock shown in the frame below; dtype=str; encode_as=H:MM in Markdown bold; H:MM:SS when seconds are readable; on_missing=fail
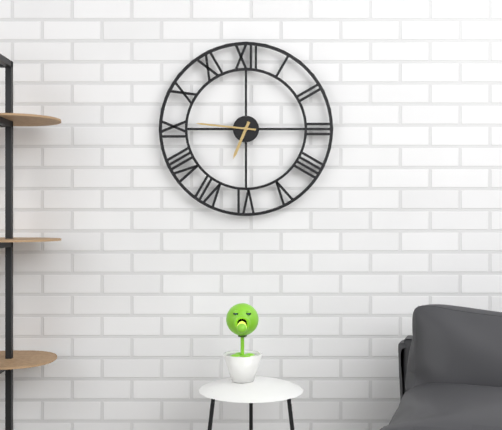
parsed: **6:46**
